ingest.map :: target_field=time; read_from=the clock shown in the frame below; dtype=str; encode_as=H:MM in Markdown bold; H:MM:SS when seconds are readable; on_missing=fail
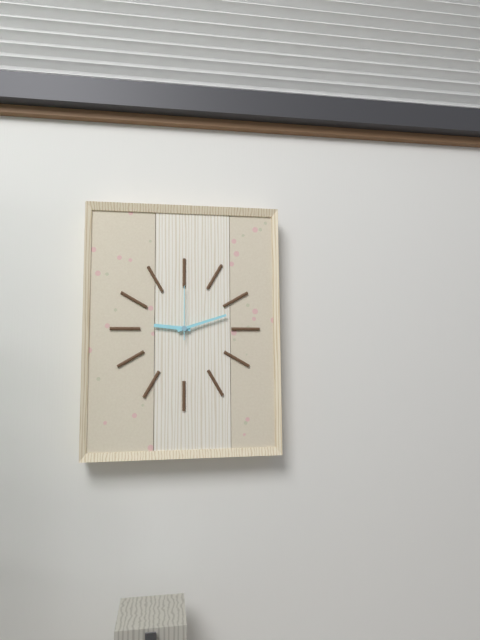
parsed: **9:12:00**
